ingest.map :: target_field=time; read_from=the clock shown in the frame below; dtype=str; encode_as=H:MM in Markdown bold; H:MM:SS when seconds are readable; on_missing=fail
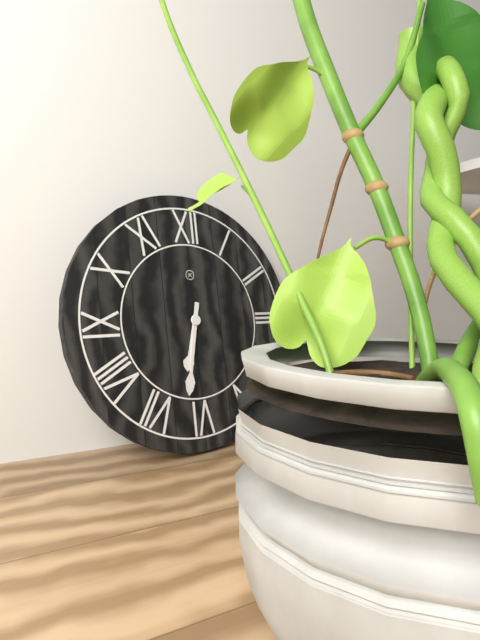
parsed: **6:32**
